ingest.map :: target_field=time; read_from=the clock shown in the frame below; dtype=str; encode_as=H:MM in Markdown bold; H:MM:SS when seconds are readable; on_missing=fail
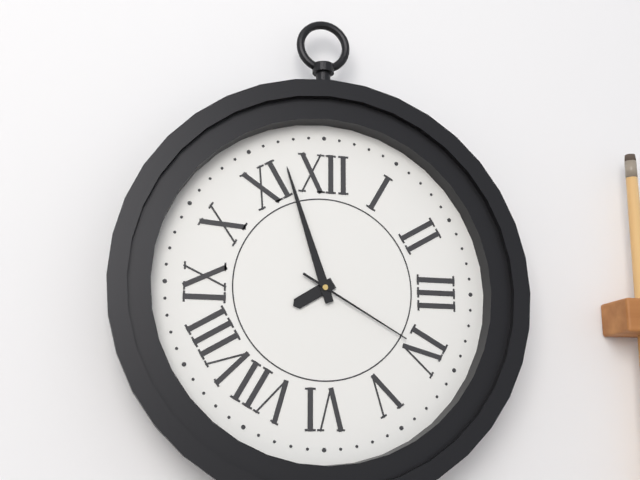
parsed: **7:57:20**
